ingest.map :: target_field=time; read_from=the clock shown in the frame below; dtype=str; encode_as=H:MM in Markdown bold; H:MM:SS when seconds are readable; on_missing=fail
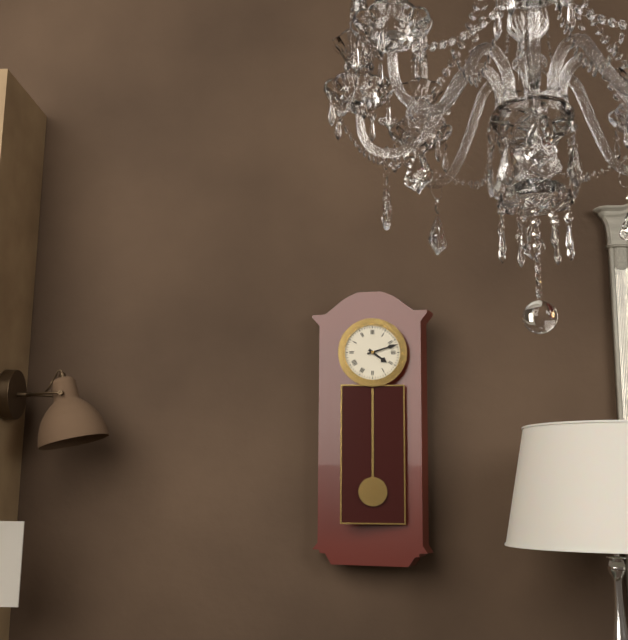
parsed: **4:12**
